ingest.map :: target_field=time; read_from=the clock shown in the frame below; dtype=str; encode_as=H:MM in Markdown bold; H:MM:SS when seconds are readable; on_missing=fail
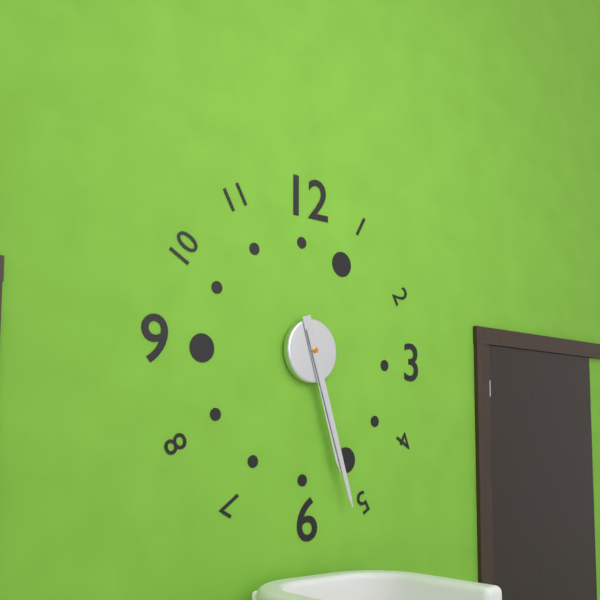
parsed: **5:27**
